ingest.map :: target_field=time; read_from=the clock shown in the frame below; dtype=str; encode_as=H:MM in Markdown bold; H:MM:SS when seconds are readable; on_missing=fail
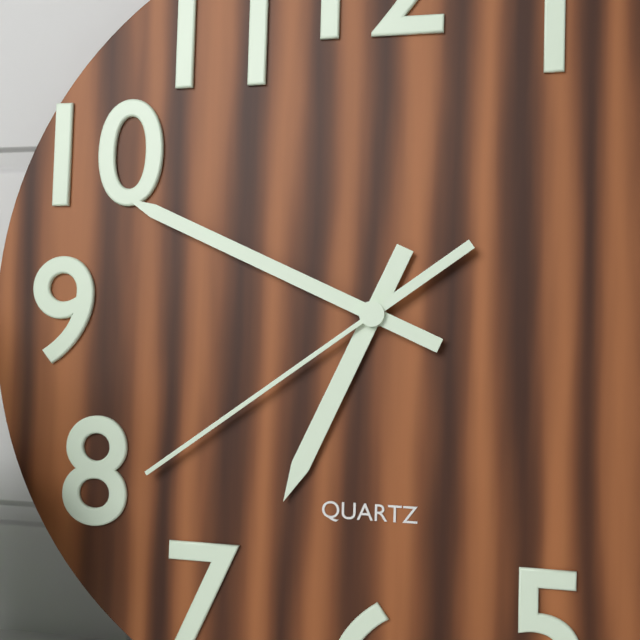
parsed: **6:49:39**
